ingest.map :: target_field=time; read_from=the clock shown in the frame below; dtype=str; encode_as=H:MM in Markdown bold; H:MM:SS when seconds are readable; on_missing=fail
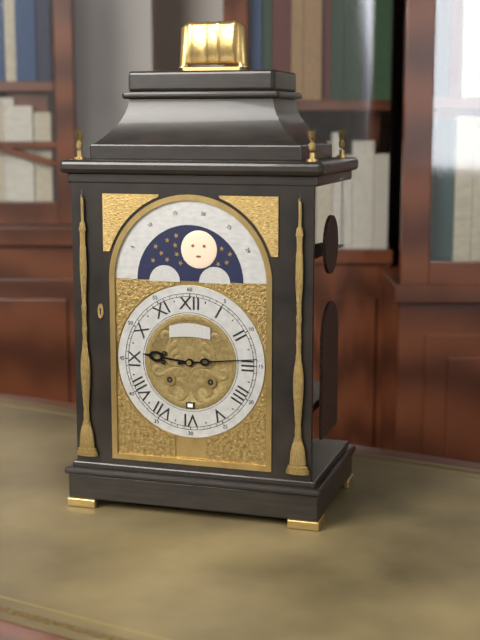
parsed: **9:14**
